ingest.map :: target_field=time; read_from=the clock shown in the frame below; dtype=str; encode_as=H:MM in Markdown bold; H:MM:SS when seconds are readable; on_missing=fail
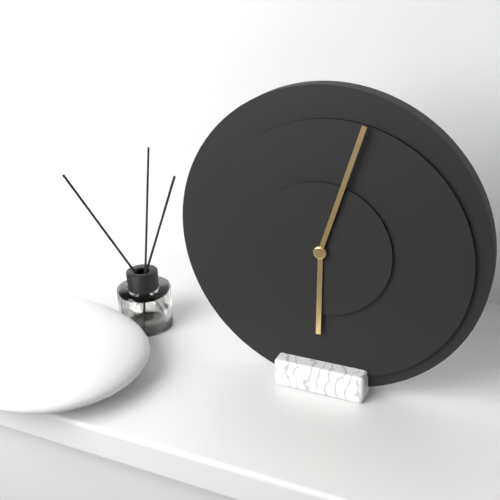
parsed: **6:03**
